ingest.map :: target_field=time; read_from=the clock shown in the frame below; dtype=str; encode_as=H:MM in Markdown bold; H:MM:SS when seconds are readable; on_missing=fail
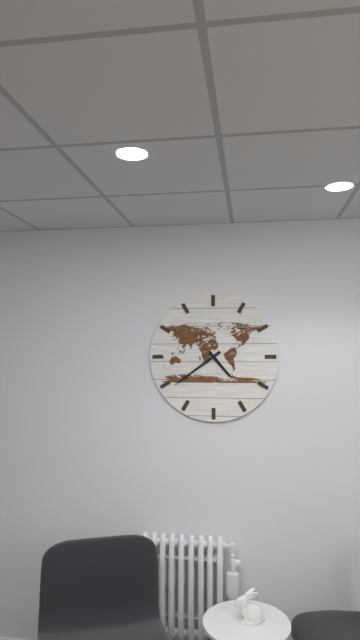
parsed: **4:39**
